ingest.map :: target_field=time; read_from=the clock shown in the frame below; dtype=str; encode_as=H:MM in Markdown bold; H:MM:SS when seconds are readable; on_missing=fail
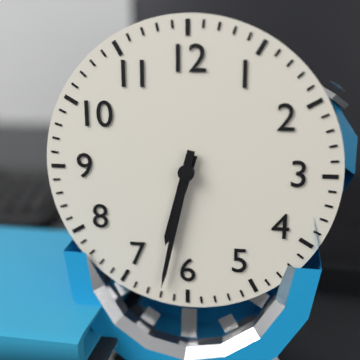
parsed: **6:32**
